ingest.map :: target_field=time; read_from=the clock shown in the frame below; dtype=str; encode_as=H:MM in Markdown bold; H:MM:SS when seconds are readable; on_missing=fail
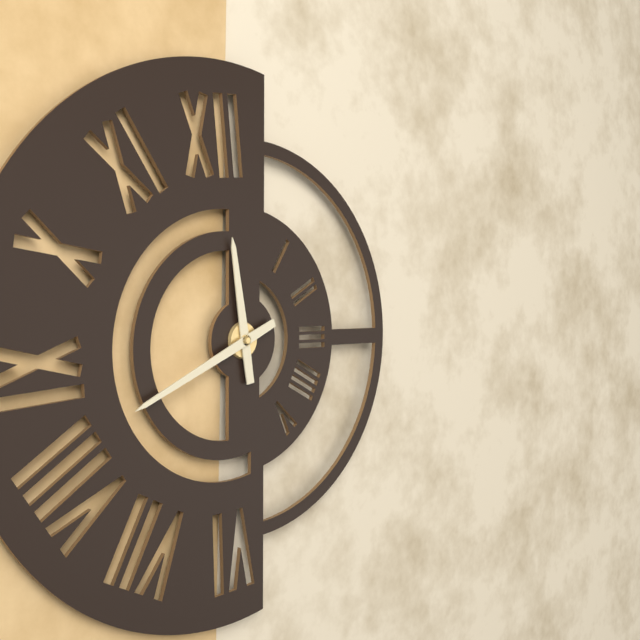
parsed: **11:41**
